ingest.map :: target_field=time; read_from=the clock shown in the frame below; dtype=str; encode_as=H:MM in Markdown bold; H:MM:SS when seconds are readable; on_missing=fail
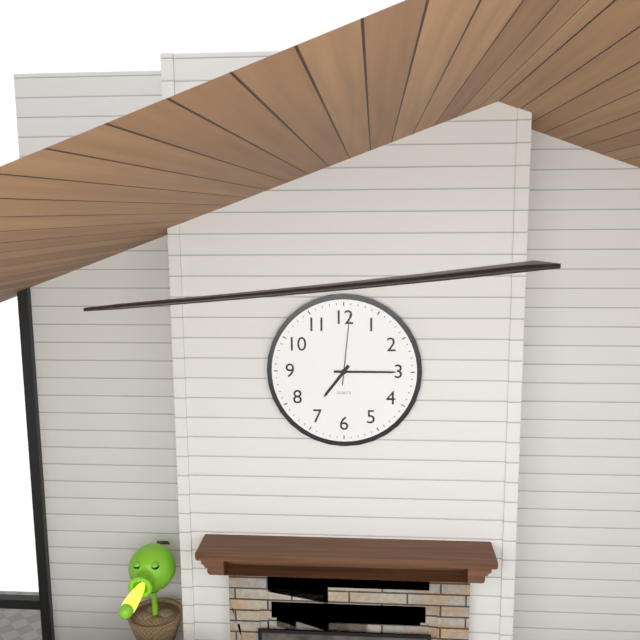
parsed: **7:15:01**
